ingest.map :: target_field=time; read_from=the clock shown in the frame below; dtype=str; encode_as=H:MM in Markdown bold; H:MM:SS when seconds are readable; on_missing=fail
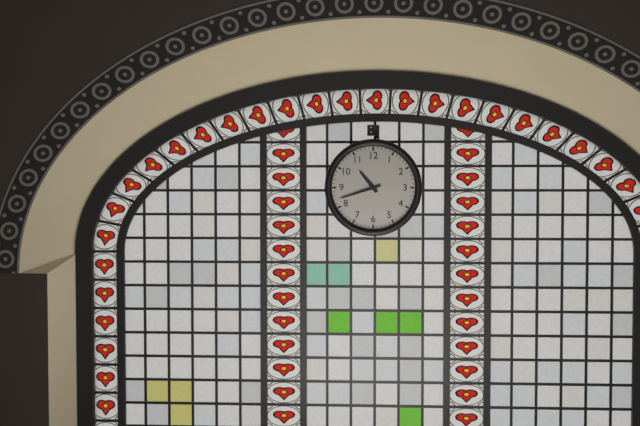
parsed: **10:42**
